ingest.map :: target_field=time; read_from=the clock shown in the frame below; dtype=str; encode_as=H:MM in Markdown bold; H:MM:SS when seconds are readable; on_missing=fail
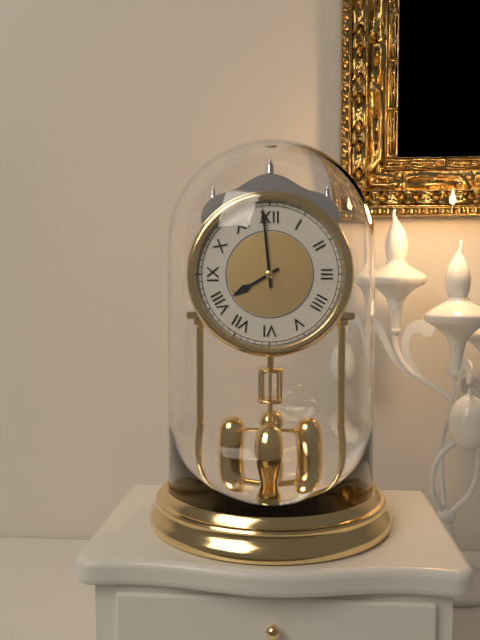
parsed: **7:59**
